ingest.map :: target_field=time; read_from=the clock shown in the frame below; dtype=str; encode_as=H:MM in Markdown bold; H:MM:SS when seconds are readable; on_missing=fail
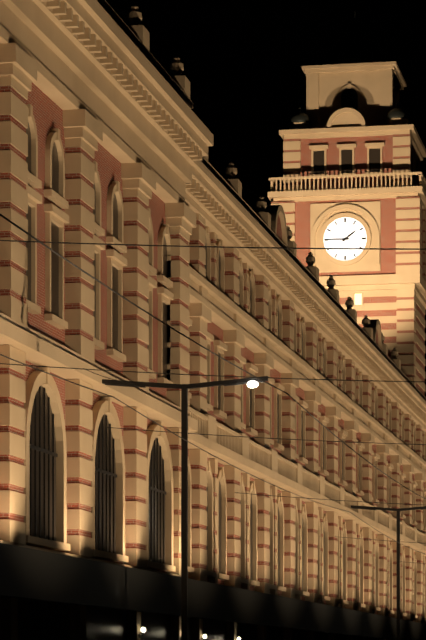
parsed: **1:45**
